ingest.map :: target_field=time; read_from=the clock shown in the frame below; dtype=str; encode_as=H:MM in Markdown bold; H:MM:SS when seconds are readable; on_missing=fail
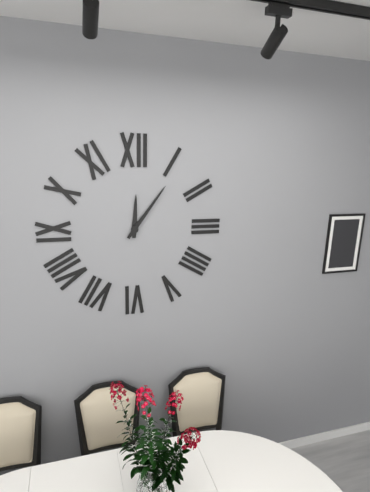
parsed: **12:06**
